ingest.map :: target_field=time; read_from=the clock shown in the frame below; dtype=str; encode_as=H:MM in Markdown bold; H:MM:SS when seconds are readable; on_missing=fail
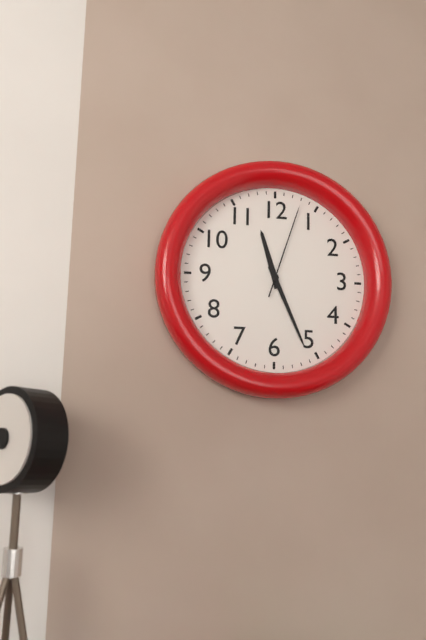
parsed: **11:26:03**
